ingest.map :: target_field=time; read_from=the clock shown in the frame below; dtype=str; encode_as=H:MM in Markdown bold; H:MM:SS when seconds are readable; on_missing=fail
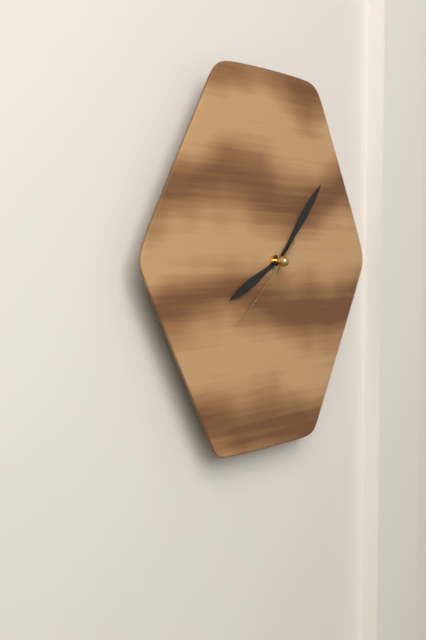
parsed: **8:07:38**
